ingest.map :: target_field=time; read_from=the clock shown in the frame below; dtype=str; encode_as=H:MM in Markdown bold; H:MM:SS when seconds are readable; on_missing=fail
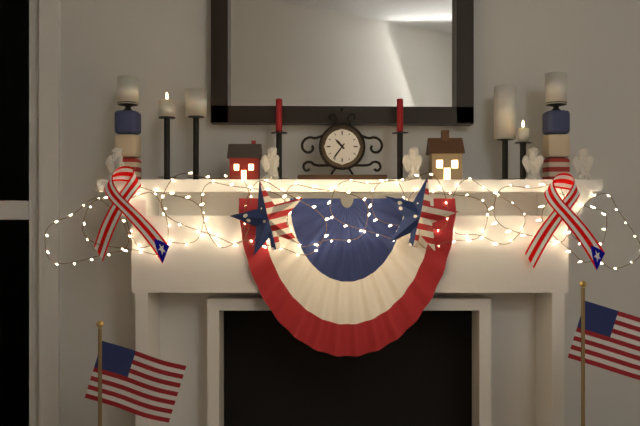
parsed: **10:36**
